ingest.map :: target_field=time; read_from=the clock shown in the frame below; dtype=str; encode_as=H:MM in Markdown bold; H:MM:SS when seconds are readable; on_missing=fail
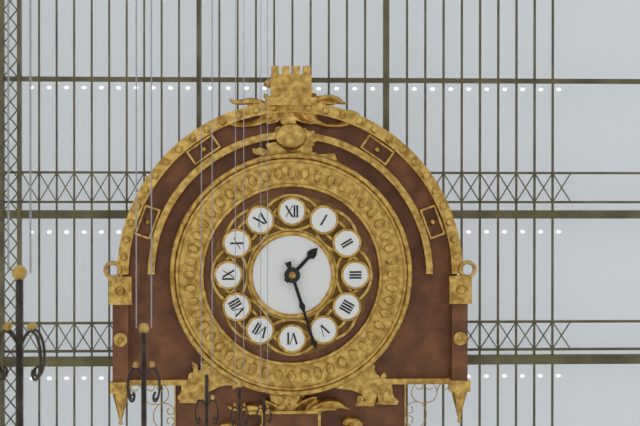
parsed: **1:27**
